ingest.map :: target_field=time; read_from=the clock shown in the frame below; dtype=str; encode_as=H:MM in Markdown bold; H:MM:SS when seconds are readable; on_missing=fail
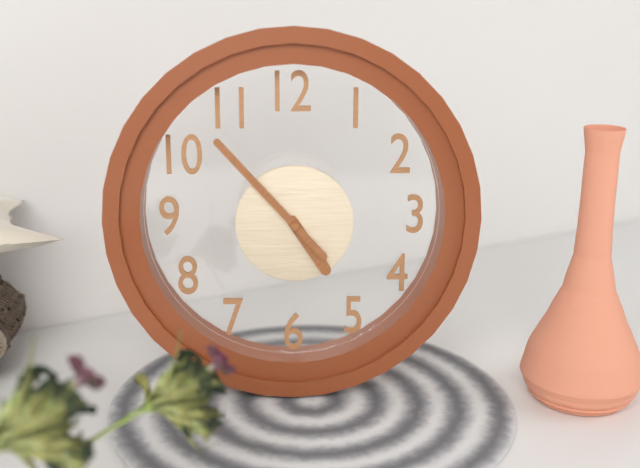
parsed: **4:53**
